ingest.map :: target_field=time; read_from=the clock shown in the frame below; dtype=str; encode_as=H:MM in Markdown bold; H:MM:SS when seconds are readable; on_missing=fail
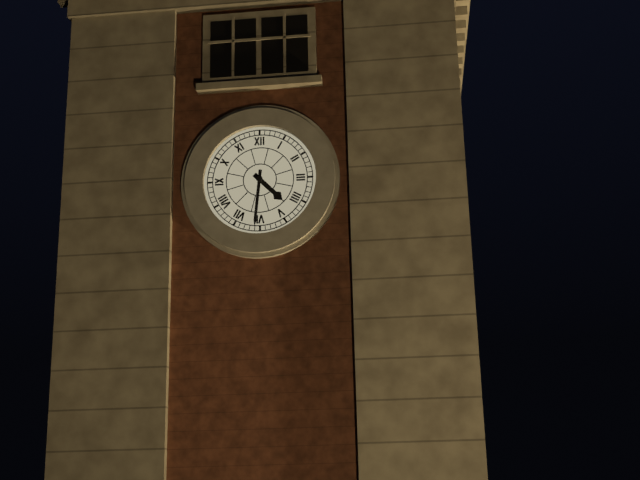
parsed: **4:31**
